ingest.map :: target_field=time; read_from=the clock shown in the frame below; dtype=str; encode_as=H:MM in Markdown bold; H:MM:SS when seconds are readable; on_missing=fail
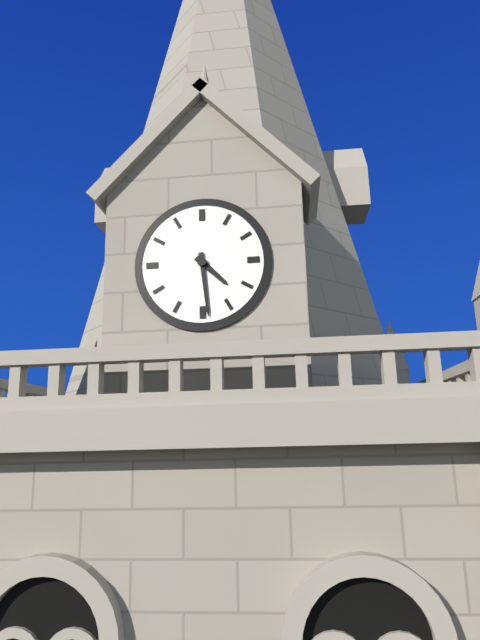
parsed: **4:29**
